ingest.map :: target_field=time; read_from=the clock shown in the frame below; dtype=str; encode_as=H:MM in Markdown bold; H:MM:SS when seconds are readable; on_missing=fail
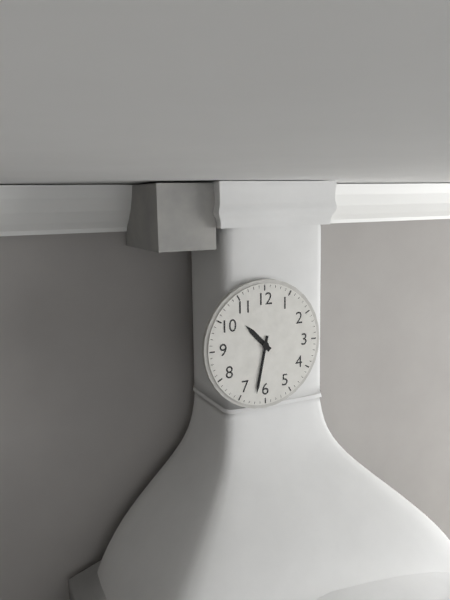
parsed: **10:32**
